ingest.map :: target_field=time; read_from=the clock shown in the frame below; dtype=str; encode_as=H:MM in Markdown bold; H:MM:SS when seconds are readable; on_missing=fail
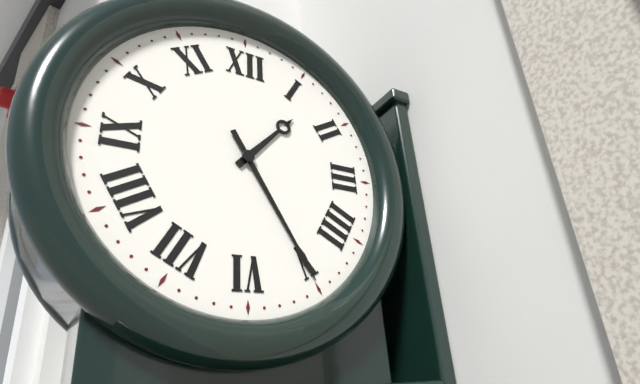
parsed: **1:25**
